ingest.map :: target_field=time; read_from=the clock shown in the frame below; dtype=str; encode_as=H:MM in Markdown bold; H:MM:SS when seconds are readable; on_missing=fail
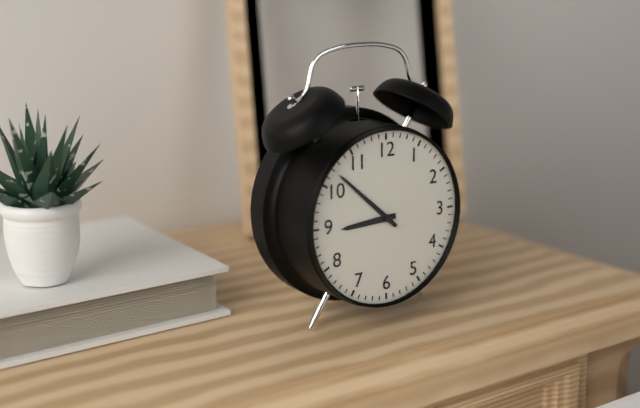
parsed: **8:52**
